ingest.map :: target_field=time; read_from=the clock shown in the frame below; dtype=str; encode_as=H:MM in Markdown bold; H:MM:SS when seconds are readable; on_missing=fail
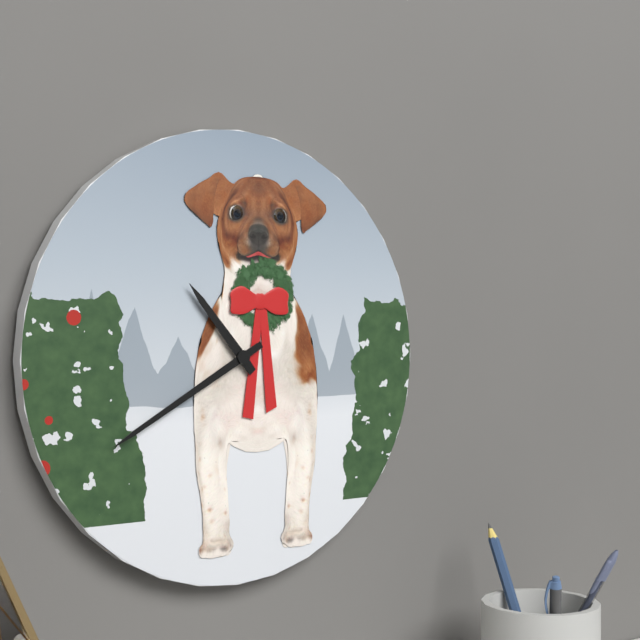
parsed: **10:40**
